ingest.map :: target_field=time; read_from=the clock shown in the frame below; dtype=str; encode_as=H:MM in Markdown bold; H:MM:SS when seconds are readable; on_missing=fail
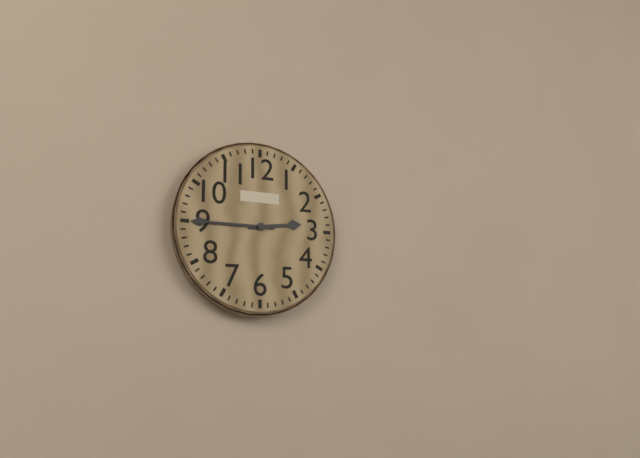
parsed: **2:45**
